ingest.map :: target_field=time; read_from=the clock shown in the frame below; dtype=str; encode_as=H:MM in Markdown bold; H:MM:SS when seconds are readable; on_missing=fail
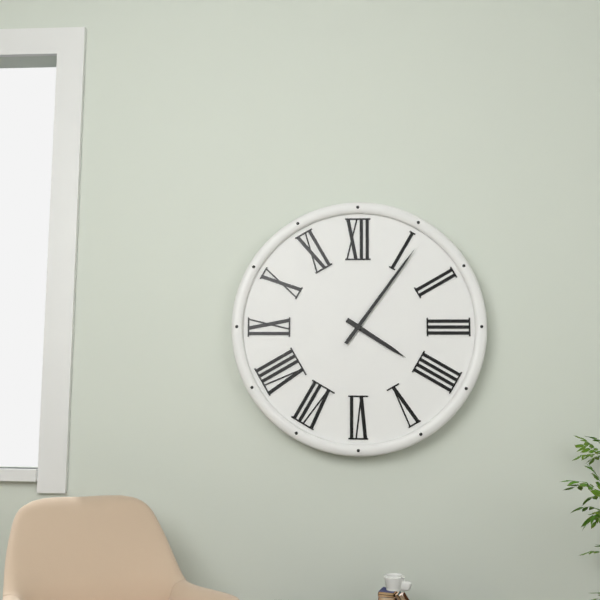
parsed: **4:06**
